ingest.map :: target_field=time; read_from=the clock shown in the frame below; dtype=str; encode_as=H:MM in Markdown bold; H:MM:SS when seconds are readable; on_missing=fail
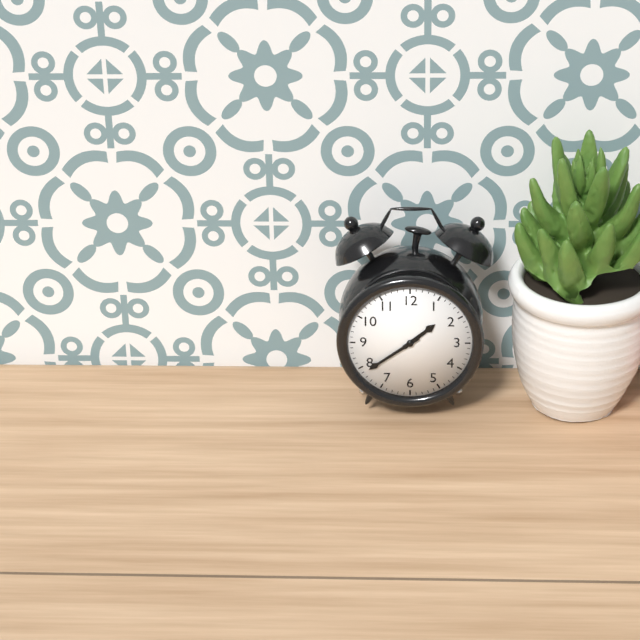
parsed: **1:39**
